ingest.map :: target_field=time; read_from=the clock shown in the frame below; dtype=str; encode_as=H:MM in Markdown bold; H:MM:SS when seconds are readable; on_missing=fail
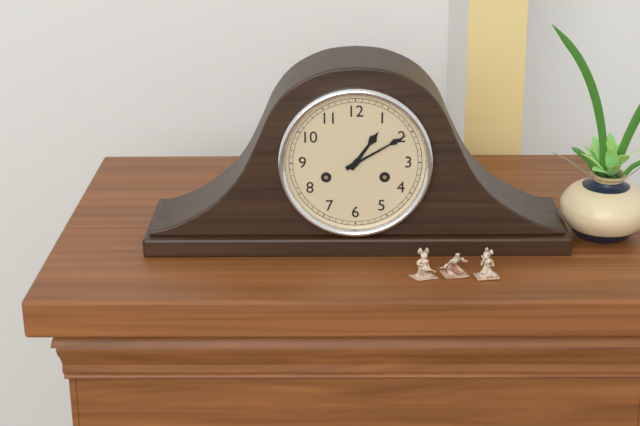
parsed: **1:10**
